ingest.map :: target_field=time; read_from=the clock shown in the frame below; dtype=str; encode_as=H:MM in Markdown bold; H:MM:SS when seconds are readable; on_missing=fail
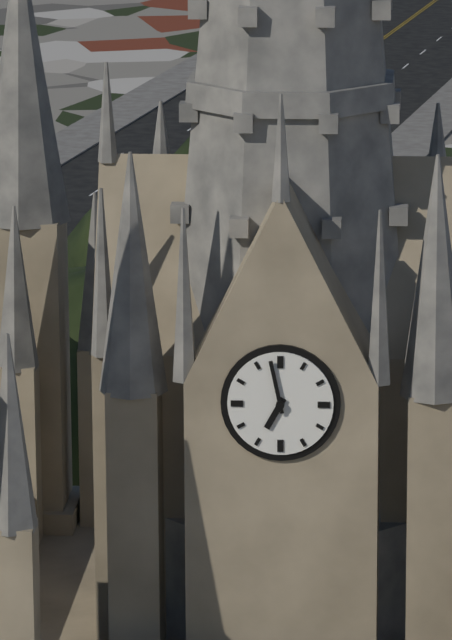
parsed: **6:58**
